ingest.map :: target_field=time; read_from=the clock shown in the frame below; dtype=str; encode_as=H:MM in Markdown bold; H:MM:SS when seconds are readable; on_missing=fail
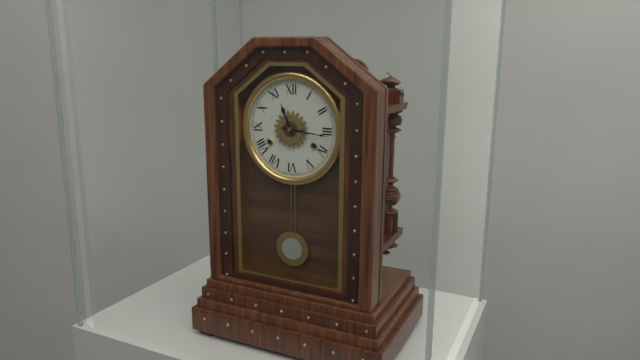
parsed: **11:16**
